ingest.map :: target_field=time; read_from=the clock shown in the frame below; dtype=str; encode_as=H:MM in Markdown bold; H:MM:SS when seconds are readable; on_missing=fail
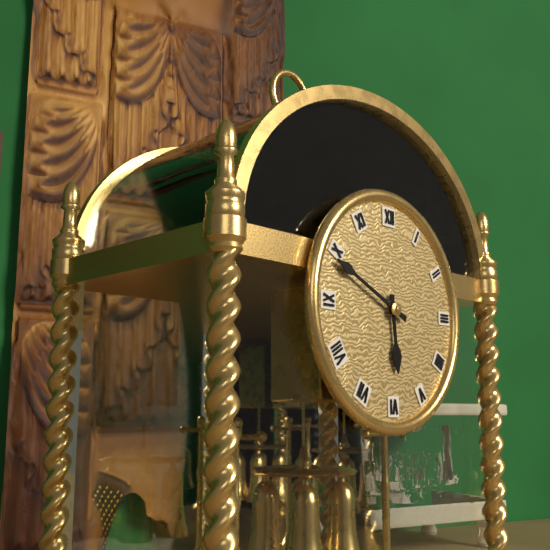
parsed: **5:49**
